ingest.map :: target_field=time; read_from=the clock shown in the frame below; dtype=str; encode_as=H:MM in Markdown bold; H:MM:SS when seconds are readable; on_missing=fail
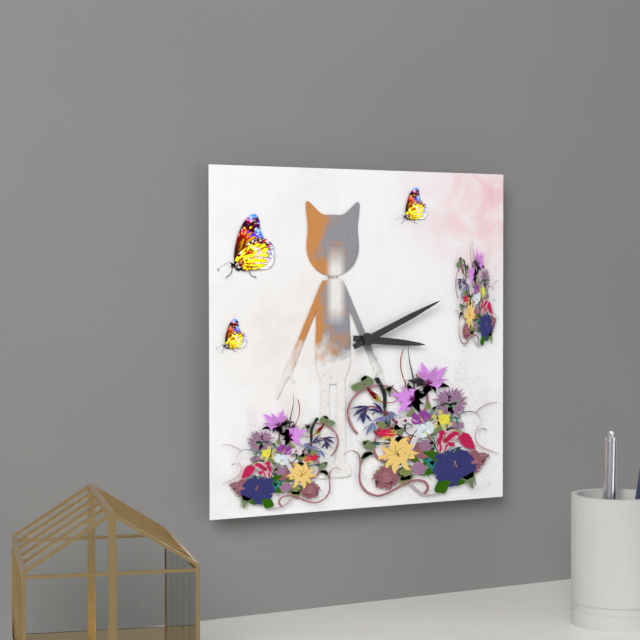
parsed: **3:11**
